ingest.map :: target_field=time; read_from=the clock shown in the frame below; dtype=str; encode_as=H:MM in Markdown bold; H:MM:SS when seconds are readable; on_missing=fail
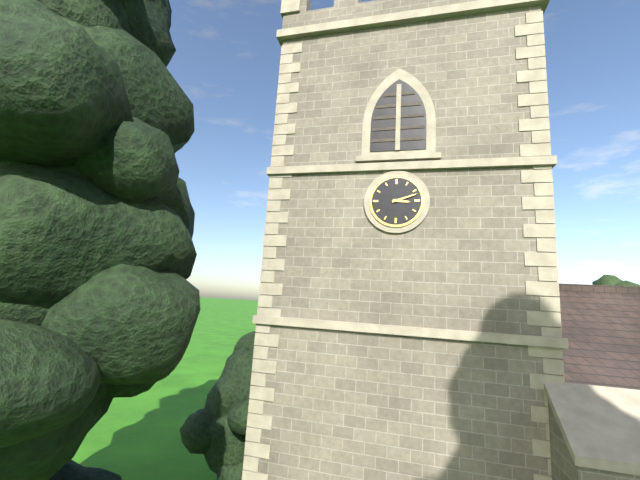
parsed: **3:12**
